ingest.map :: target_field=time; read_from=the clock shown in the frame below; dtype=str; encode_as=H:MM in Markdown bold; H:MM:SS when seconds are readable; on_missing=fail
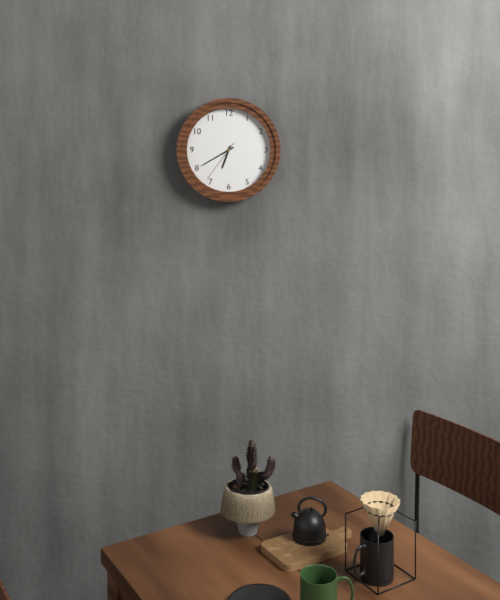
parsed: **6:40**
